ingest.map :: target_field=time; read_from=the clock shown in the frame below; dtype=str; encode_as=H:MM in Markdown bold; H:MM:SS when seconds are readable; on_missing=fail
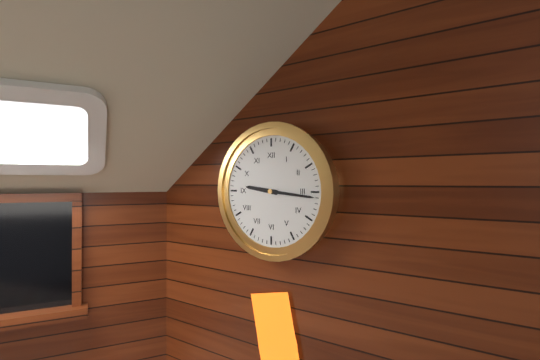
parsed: **9:16**
